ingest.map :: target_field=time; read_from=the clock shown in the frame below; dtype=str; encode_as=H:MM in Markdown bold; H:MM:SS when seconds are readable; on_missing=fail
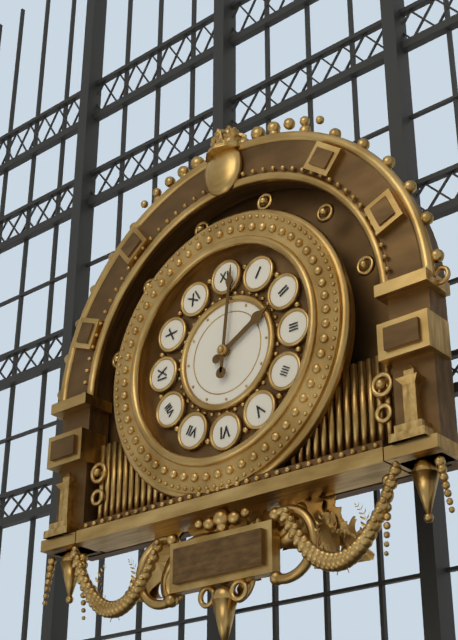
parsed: **2:01**
